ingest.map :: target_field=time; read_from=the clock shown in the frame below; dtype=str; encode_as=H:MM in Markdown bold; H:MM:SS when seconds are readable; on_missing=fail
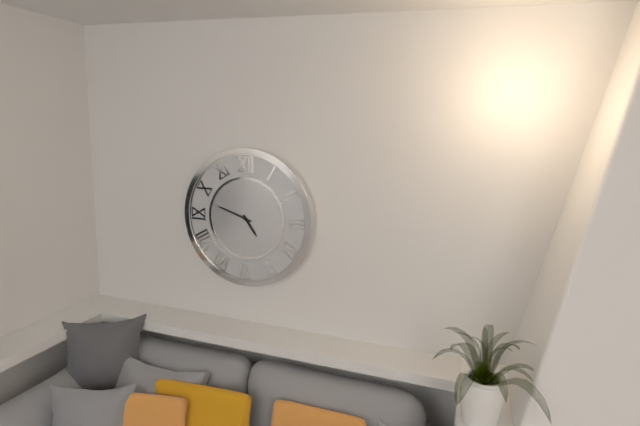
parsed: **4:48**
